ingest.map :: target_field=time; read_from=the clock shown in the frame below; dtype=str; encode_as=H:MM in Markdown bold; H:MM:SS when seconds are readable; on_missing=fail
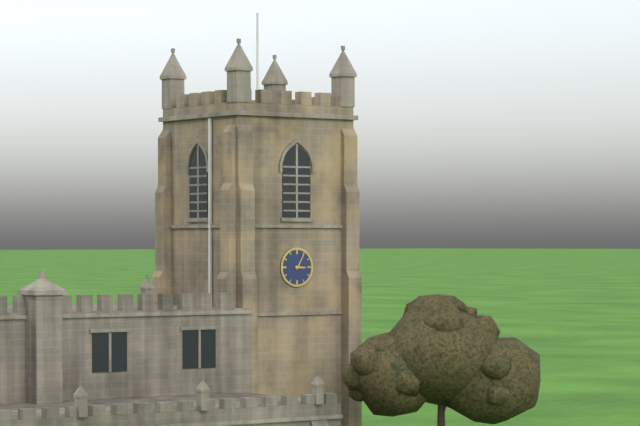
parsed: **3:05**
